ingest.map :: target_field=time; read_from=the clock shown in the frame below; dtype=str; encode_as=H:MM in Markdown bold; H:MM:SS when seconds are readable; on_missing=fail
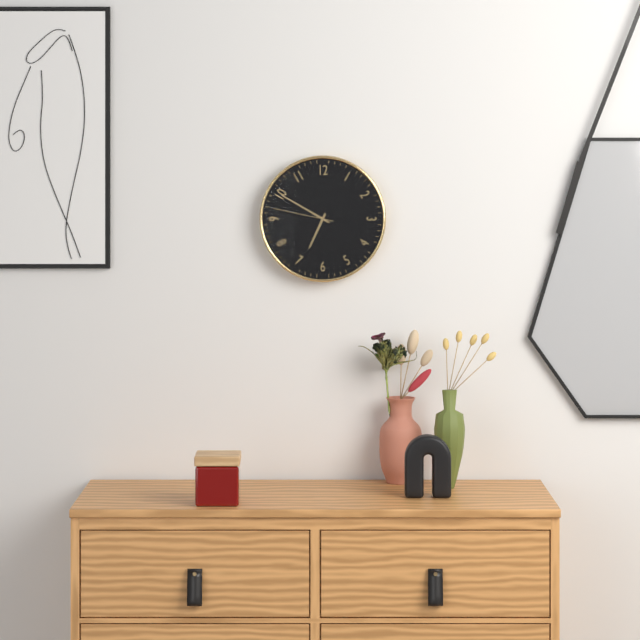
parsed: **6:50:47**
